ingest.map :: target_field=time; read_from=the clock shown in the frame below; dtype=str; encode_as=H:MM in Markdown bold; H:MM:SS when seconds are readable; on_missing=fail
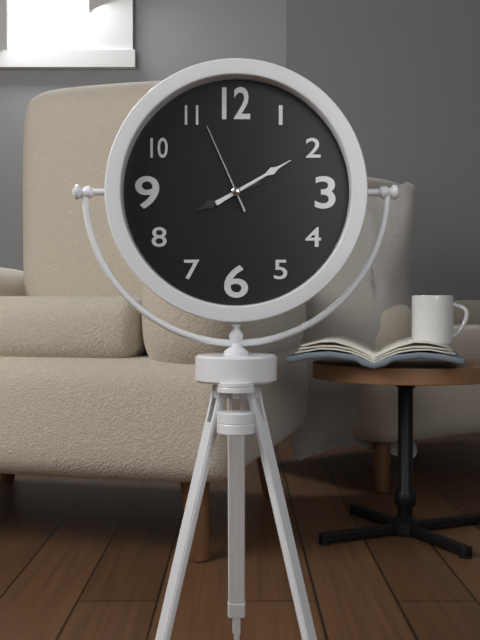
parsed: **8:10:56**
